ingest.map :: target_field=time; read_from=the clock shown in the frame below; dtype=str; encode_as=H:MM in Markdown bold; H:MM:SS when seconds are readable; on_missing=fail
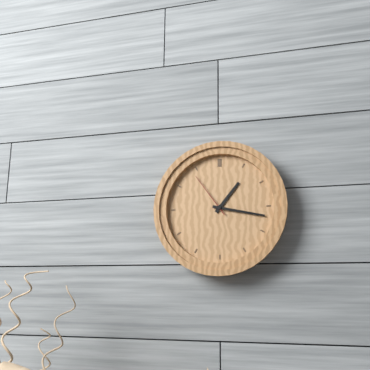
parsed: **1:17:54**
